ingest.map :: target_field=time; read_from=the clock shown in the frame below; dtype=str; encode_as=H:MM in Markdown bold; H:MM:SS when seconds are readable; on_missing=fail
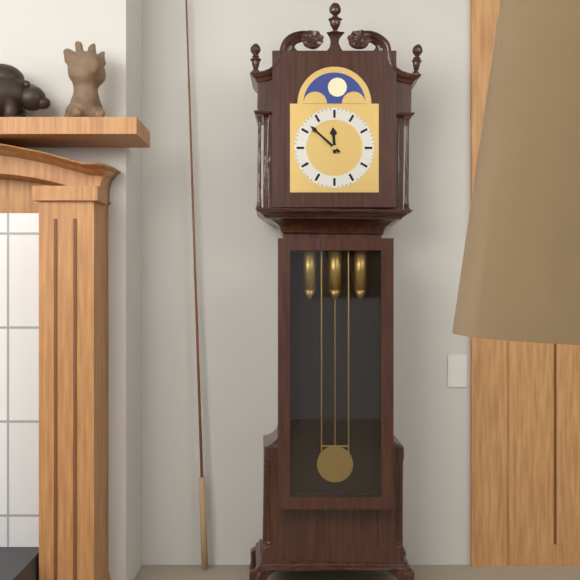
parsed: **11:52**
